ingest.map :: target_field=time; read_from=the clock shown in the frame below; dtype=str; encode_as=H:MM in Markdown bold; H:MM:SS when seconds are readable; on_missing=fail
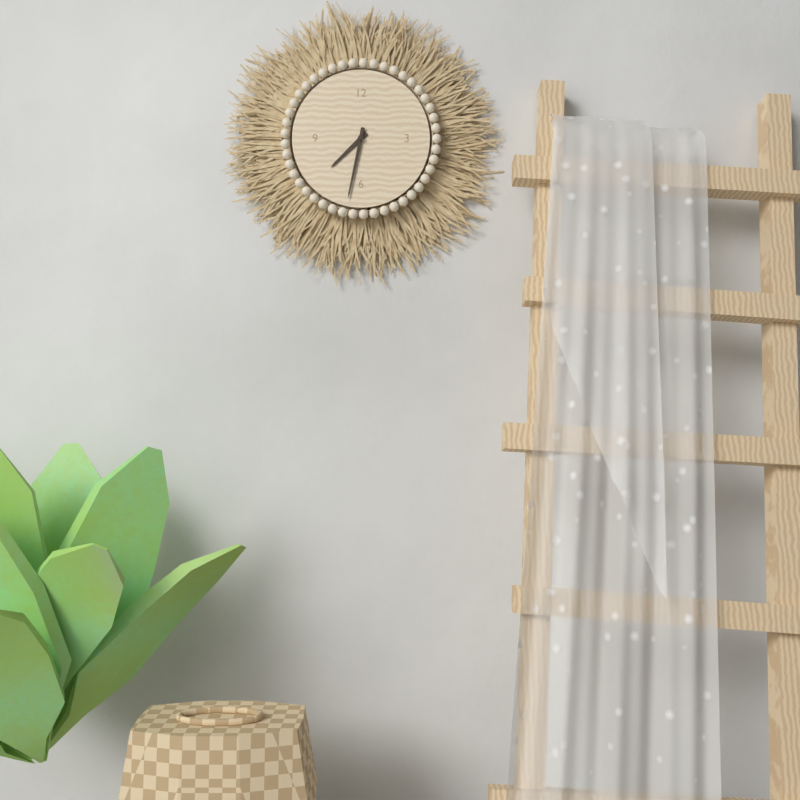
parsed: **7:32**
